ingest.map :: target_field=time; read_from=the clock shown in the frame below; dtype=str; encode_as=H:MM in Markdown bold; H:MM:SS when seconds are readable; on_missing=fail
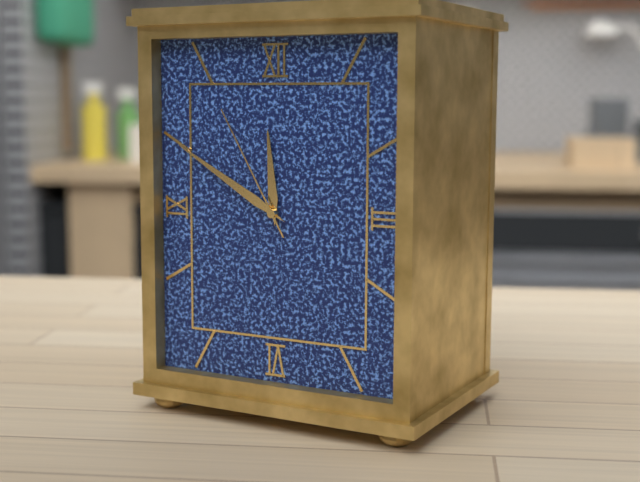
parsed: **11:50:55**
